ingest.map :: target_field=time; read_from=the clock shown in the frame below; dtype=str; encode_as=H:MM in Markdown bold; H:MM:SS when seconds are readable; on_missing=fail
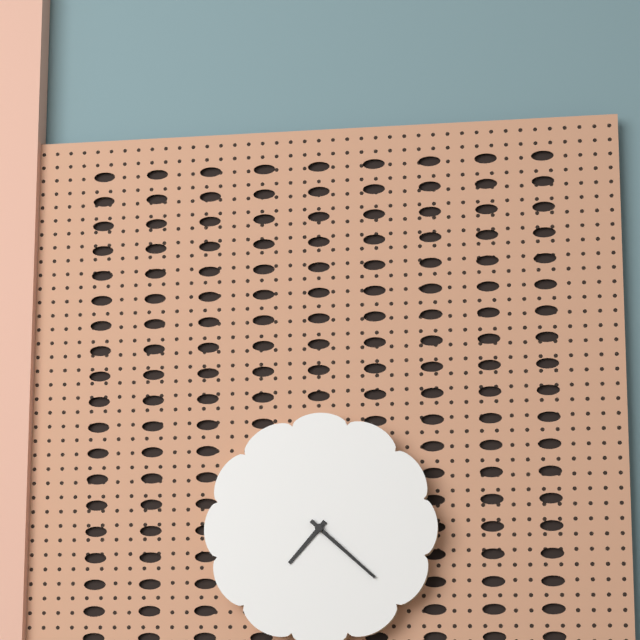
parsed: **7:22**
